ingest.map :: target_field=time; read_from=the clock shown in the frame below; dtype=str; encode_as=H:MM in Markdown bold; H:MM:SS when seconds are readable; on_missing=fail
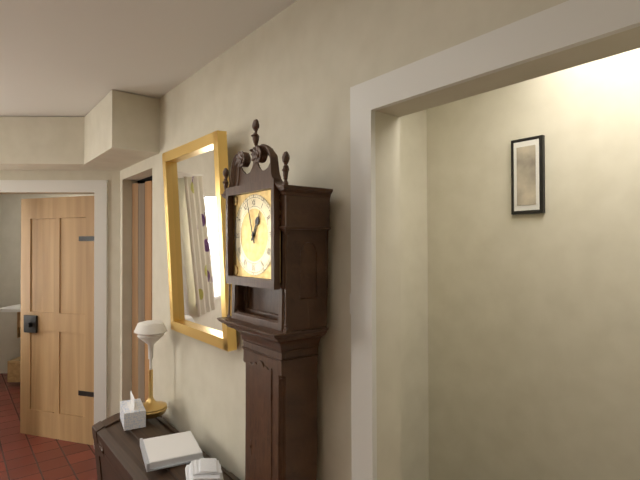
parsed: **12:57**
